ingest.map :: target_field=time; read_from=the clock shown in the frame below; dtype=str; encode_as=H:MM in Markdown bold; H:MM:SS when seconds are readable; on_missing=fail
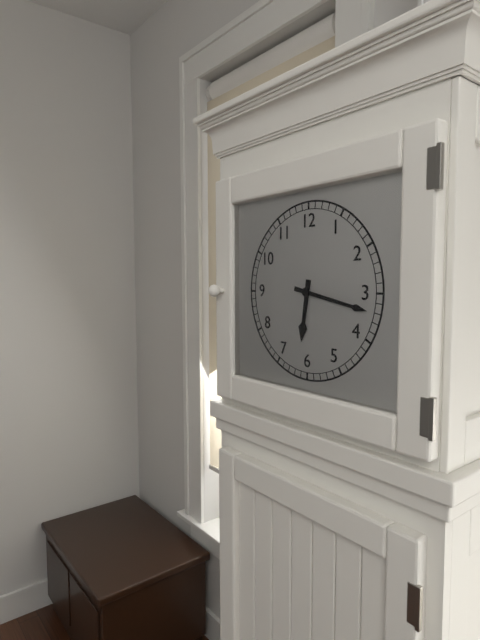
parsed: **6:17**
